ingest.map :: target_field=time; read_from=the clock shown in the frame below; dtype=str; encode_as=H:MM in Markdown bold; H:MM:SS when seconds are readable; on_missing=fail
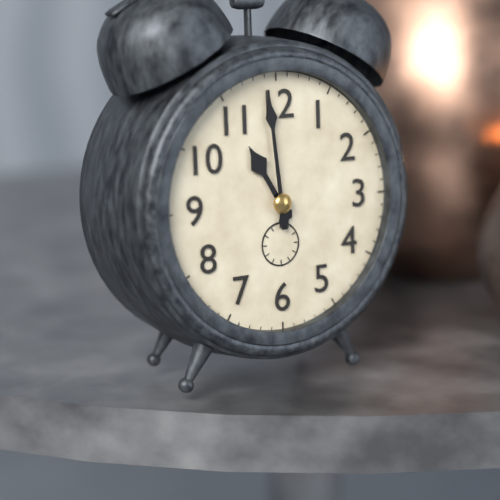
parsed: **10:59**
